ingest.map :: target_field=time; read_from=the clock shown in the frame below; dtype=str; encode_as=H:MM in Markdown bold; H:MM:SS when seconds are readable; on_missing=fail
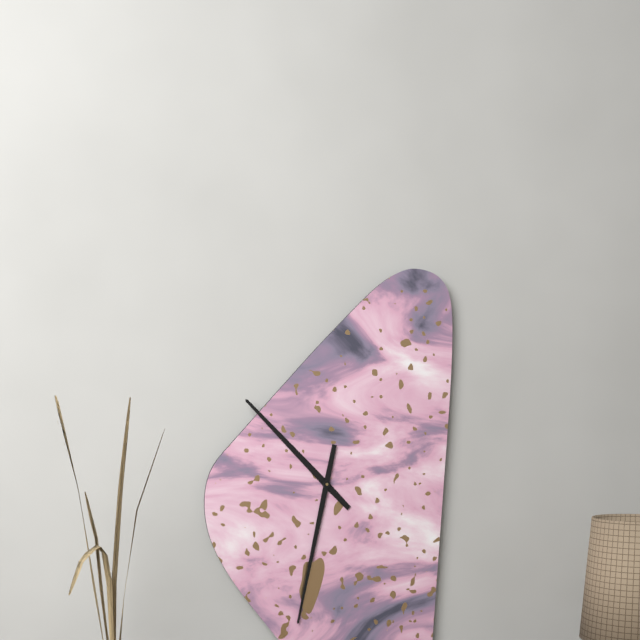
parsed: **10:32**
